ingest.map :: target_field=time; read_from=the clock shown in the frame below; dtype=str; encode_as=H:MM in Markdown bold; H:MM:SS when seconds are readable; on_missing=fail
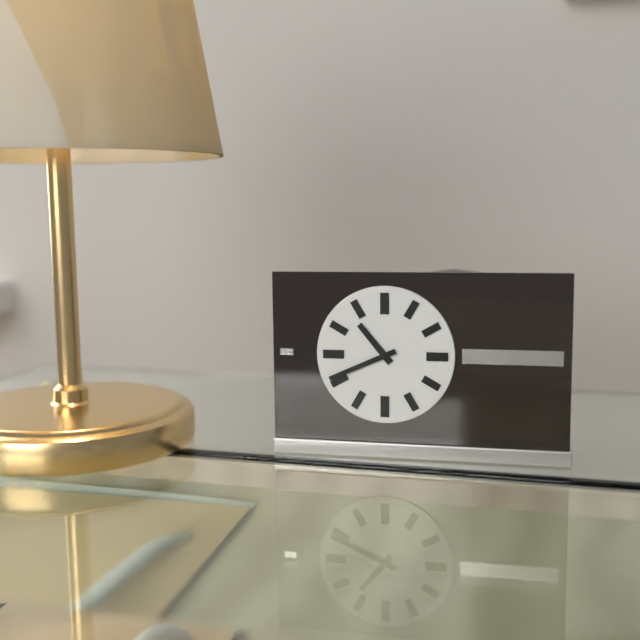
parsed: **10:41**
